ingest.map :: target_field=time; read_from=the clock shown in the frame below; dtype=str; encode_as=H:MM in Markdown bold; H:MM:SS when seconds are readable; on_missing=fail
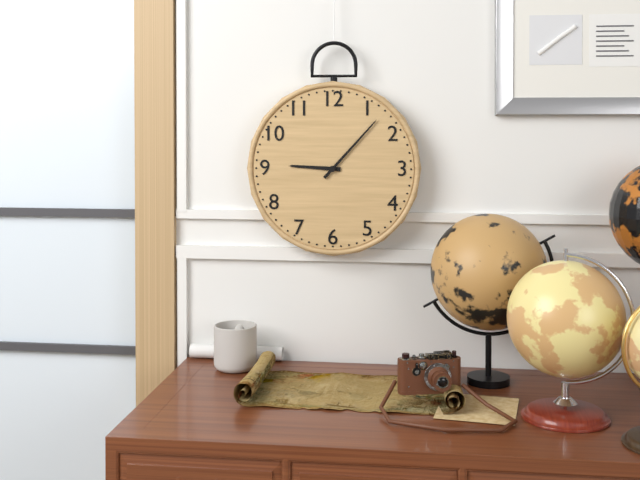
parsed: **9:07**
